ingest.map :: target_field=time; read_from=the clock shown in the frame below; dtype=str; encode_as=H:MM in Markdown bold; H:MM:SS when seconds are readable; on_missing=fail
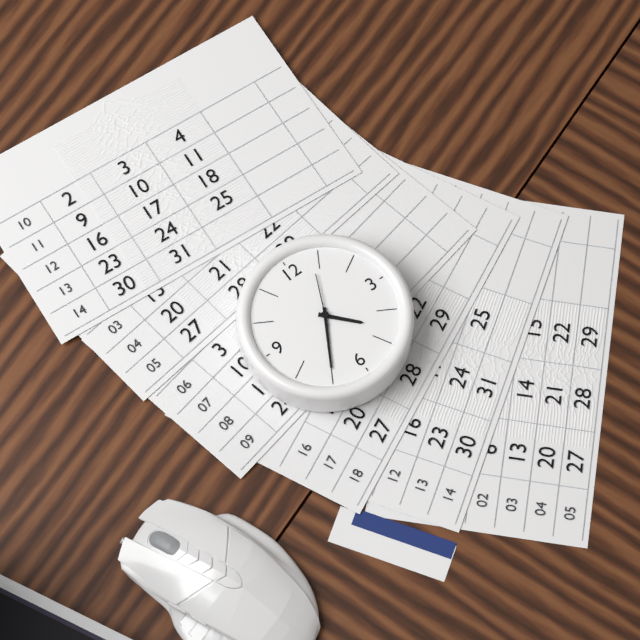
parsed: **4:35:04**
